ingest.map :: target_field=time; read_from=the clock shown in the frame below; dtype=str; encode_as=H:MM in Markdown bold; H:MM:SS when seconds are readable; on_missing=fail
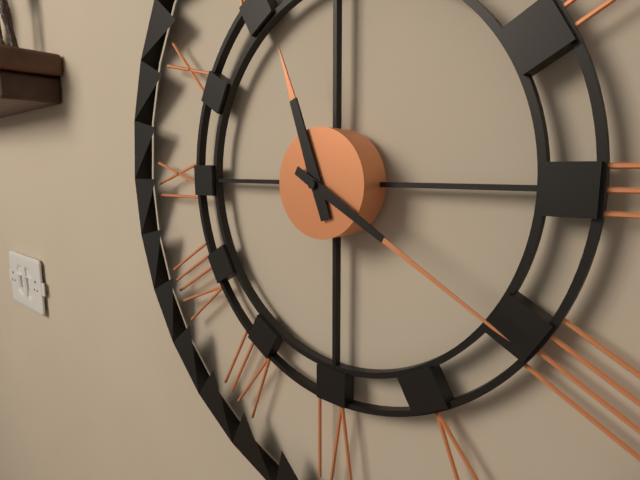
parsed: **11:20**
